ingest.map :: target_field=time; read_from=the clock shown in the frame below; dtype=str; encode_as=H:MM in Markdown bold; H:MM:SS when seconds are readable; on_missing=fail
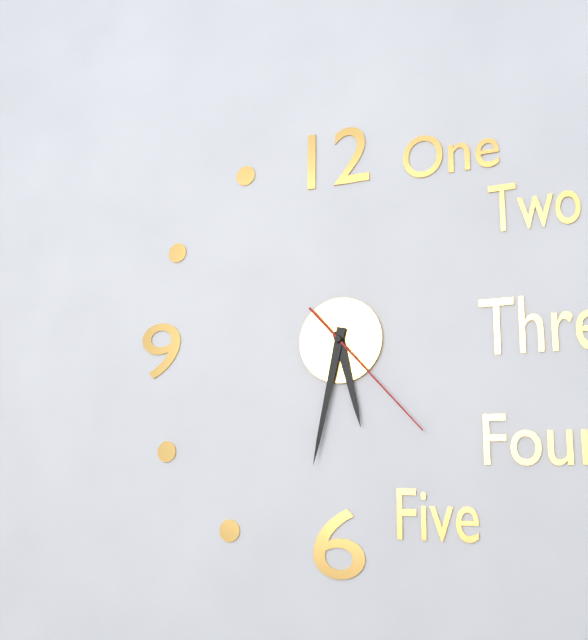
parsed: **5:32:23**
